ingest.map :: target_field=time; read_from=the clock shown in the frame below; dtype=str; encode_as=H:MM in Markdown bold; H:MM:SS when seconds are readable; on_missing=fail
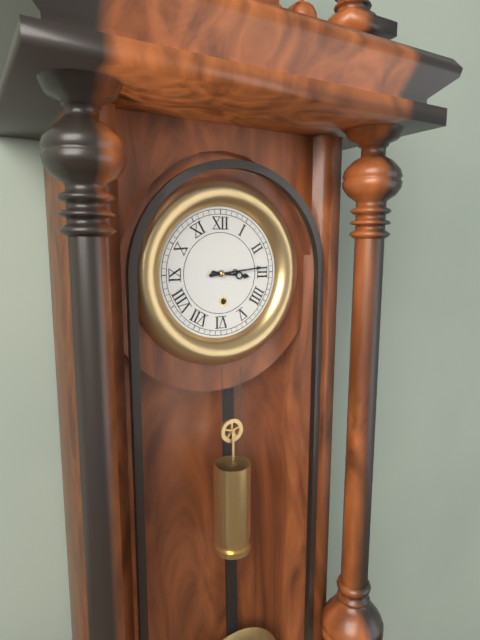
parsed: **3:14**
